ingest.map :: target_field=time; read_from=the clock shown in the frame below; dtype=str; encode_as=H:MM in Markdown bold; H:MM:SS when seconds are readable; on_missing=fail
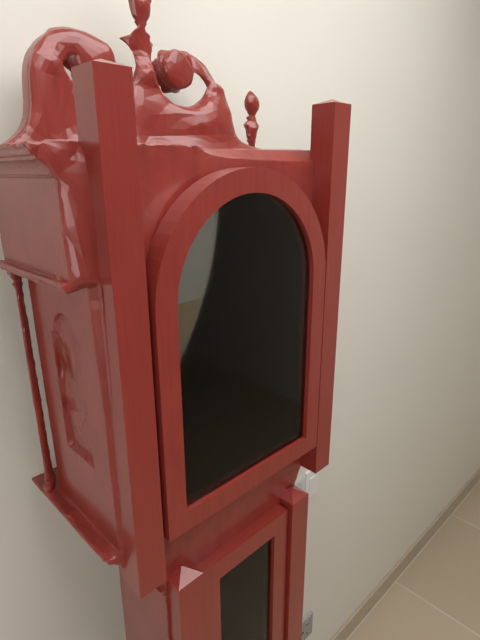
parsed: **10:09**
